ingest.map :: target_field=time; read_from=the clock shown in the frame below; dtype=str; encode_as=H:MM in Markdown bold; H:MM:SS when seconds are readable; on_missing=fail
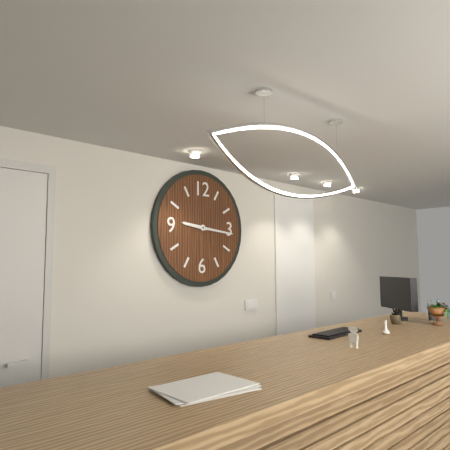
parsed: **9:16**
